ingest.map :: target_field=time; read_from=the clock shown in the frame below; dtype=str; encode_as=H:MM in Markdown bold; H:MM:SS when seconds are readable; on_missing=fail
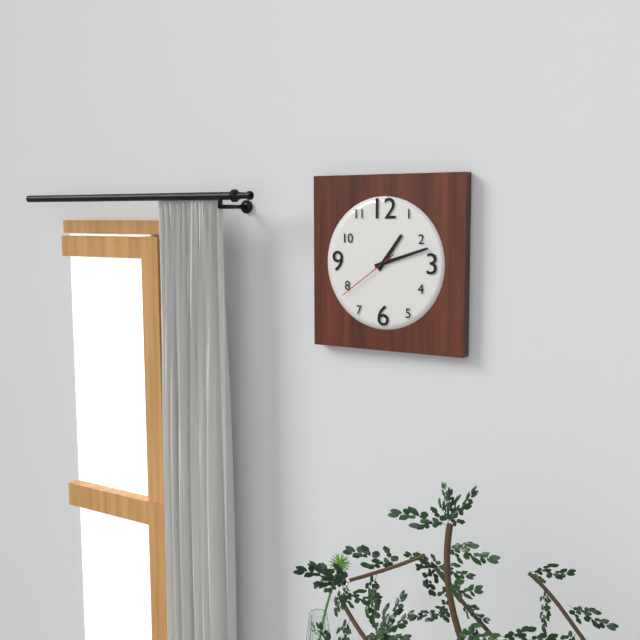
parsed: **1:12:39**
